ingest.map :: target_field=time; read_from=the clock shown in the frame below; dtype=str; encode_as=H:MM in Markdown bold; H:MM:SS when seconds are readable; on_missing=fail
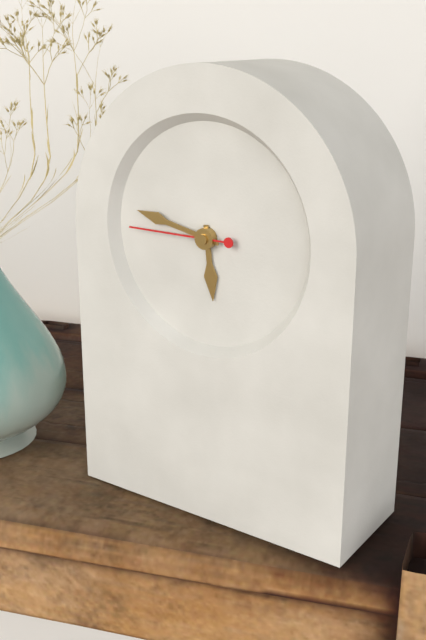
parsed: **5:47:45**
